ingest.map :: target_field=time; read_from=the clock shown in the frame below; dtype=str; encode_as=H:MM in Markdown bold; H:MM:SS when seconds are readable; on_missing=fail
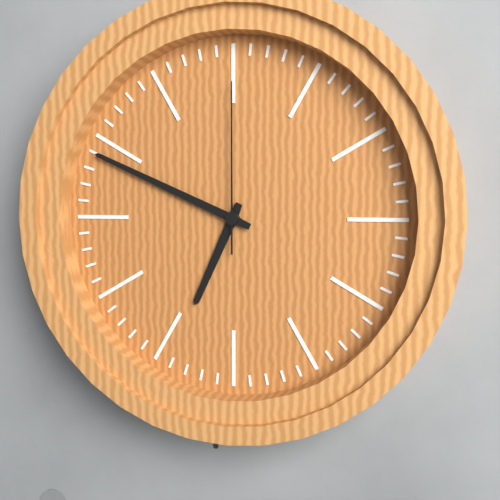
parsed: **6:49:00**
